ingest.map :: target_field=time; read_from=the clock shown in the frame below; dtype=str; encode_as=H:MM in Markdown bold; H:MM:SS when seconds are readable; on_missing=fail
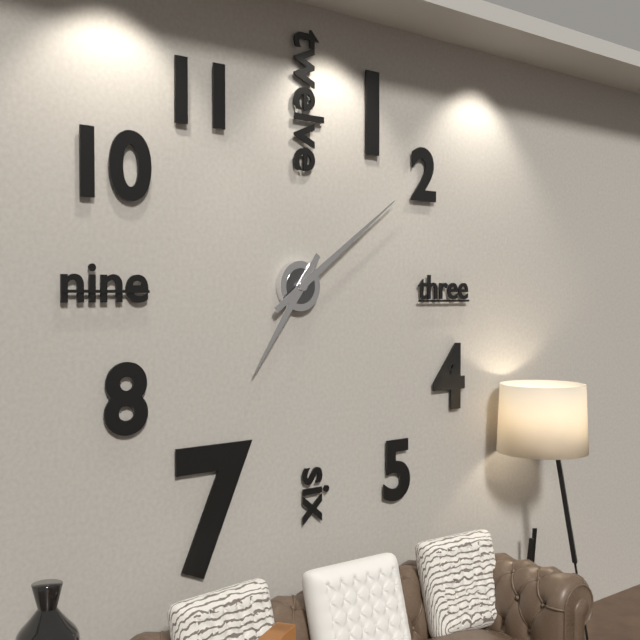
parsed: **7:09**
